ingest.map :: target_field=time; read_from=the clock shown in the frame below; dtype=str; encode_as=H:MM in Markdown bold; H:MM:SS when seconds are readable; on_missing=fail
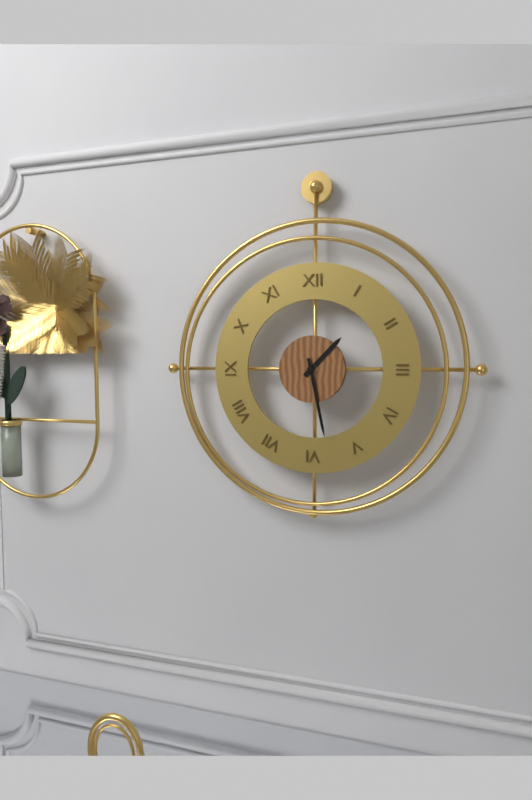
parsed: **1:28**
